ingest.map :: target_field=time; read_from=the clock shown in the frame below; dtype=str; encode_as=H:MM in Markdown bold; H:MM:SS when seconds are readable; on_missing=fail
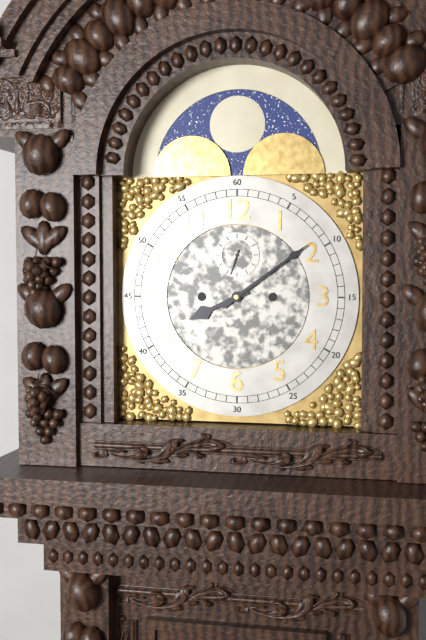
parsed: **8:09**
